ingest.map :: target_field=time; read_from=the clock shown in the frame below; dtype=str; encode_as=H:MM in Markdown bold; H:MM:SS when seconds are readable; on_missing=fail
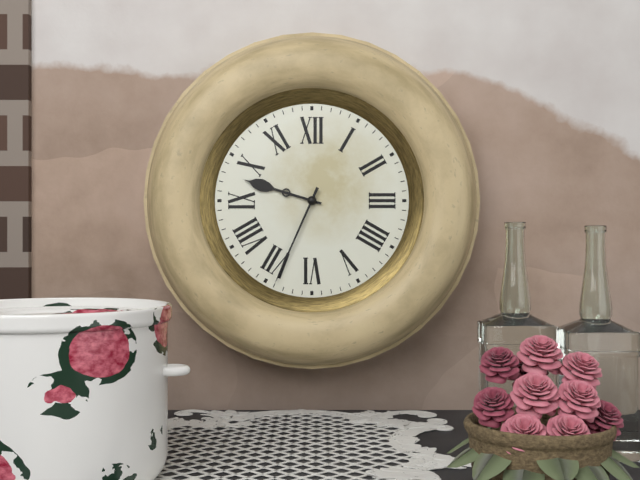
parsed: **9:34**
